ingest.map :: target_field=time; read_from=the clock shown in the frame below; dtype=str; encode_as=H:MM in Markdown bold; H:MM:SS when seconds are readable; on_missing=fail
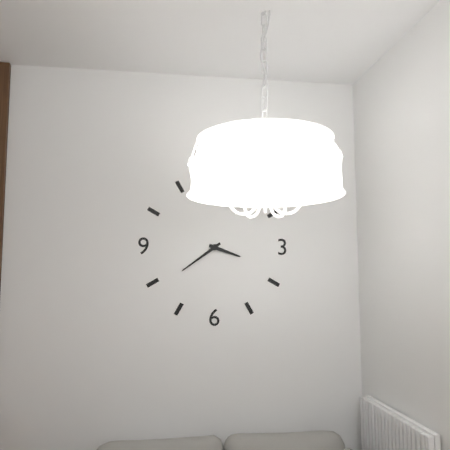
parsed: **3:39**
